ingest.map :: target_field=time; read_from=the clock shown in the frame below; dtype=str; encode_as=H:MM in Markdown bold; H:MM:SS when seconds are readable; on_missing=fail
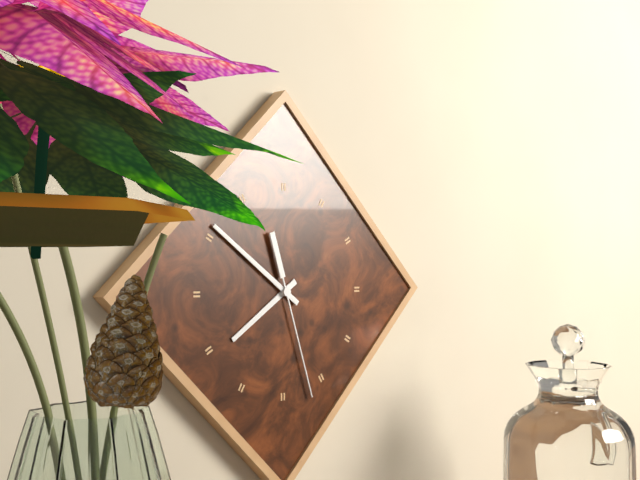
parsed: **7:51:27**
